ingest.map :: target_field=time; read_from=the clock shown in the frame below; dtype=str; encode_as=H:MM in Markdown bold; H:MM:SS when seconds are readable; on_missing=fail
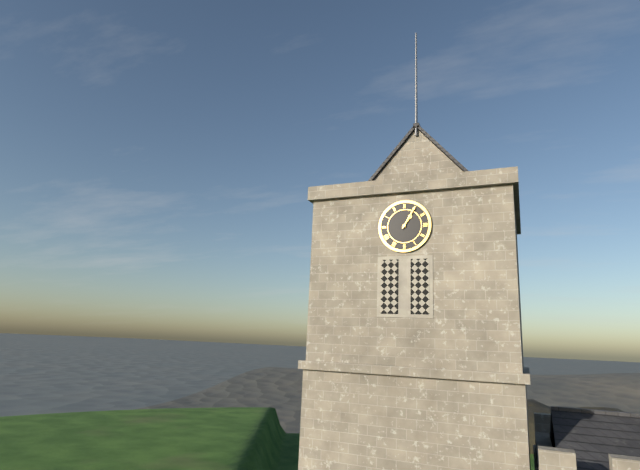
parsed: **1:05**
